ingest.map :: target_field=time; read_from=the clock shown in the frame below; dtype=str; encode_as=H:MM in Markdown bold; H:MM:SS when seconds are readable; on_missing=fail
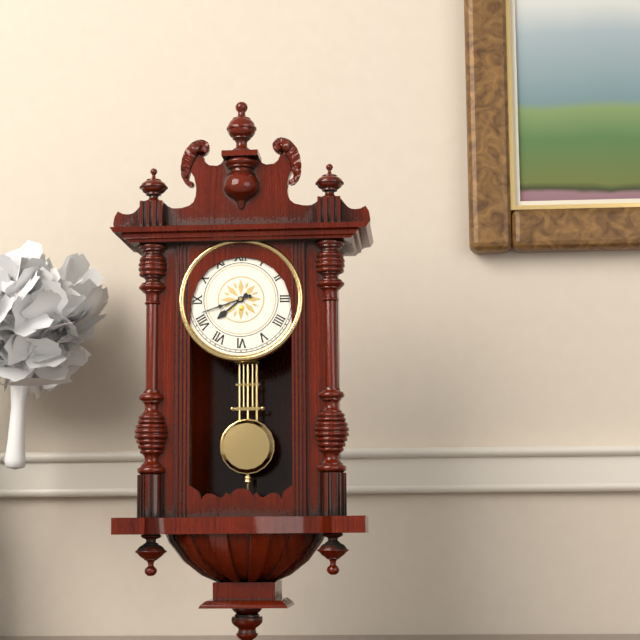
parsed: **7:42**
